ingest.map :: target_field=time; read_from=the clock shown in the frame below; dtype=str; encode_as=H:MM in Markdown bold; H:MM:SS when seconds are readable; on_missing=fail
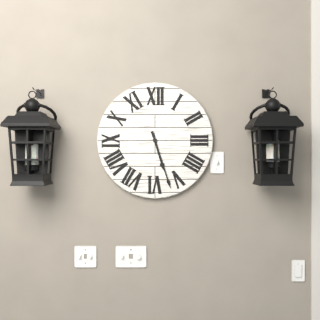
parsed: **5:27**
